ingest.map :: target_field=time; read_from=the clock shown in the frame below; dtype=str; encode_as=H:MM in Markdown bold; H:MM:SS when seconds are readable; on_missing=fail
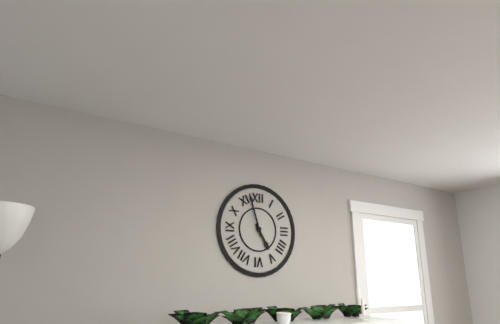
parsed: **4:57**
